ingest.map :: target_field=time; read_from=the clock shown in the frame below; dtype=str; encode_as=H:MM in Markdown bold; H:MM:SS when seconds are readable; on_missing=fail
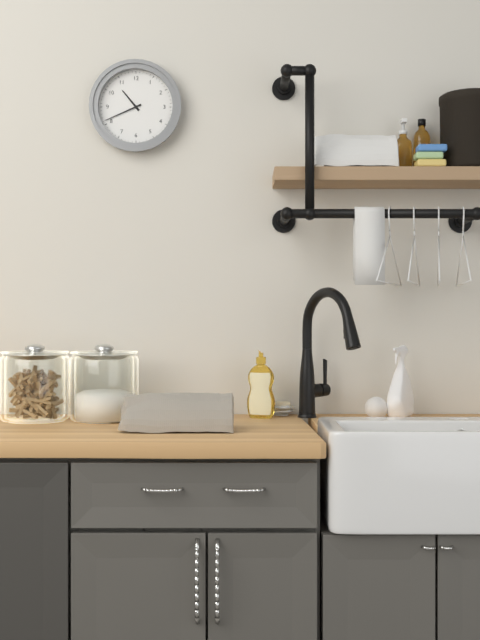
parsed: **10:41**
